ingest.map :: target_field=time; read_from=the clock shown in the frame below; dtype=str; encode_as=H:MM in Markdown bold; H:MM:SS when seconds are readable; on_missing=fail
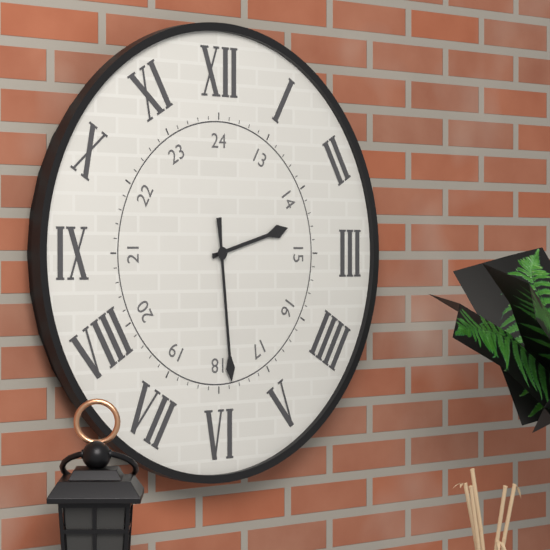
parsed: **2:29**
